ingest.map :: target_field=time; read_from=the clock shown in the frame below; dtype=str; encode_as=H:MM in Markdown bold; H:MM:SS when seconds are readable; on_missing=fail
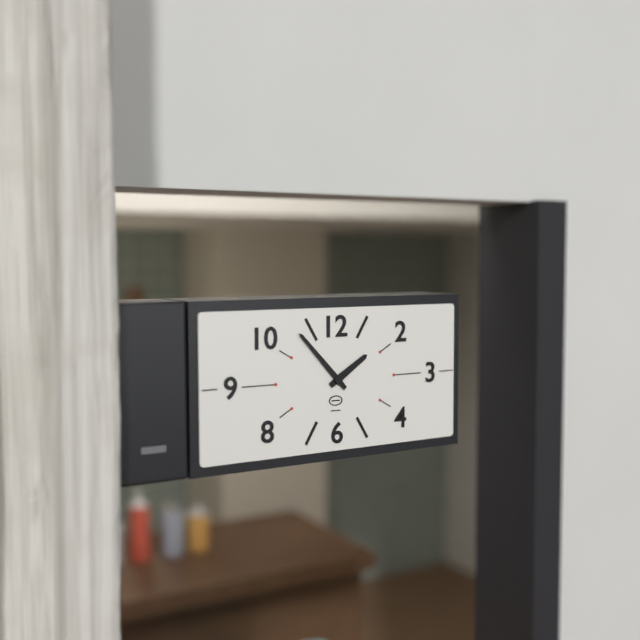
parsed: **1:53**
